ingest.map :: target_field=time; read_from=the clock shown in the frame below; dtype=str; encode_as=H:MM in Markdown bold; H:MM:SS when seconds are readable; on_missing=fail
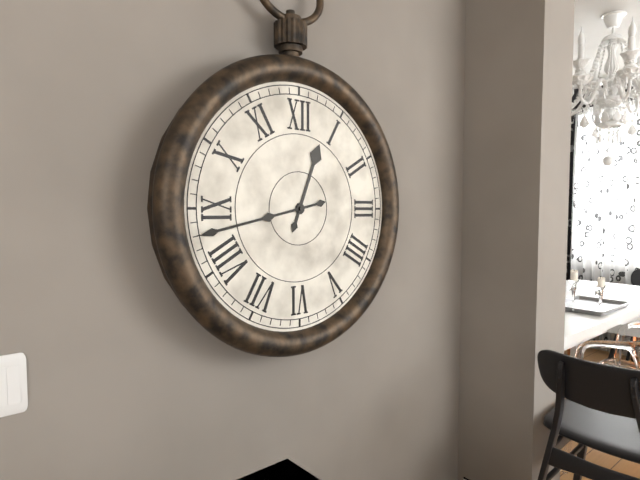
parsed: **12:43**
